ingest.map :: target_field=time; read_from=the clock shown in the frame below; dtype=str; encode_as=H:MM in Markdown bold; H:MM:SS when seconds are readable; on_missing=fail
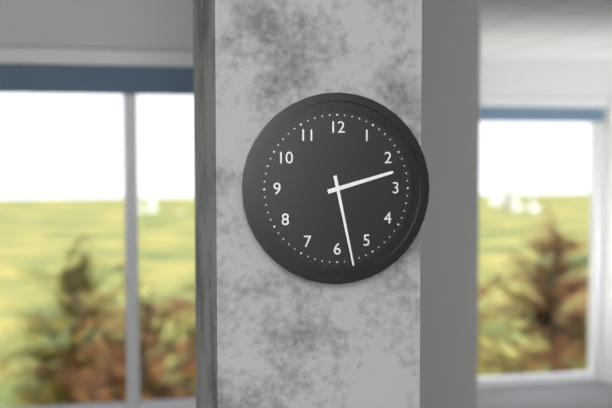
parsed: **2:28**
